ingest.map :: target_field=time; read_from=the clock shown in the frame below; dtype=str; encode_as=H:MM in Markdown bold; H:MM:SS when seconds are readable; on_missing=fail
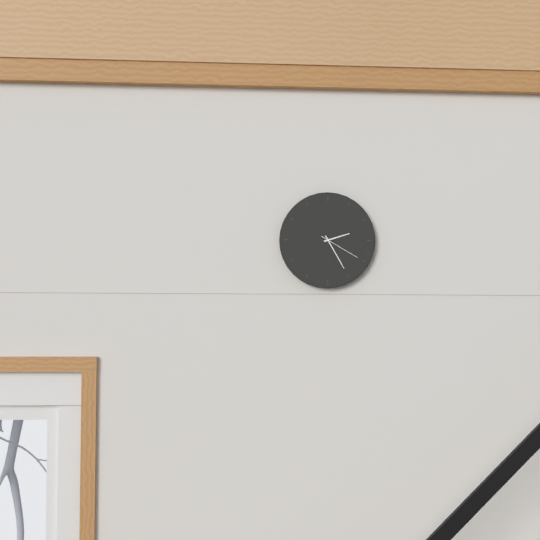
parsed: **2:25**
